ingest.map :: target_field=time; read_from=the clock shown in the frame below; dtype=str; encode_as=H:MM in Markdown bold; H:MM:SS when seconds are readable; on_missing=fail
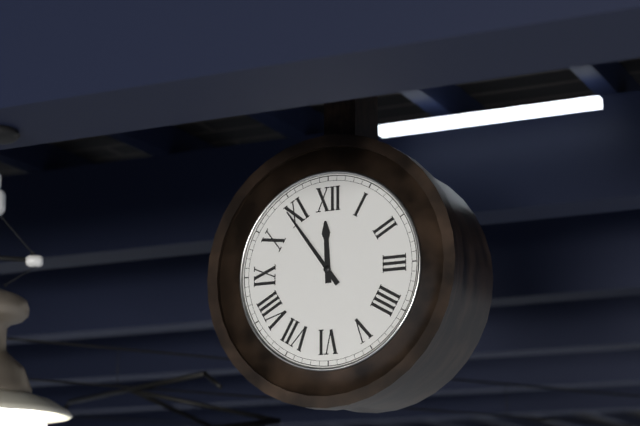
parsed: **11:54**
